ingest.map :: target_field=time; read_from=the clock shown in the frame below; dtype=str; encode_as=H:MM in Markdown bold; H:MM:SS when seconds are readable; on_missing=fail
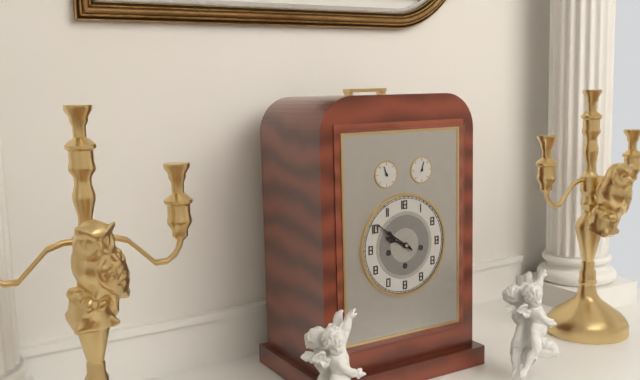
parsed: **9:51**
